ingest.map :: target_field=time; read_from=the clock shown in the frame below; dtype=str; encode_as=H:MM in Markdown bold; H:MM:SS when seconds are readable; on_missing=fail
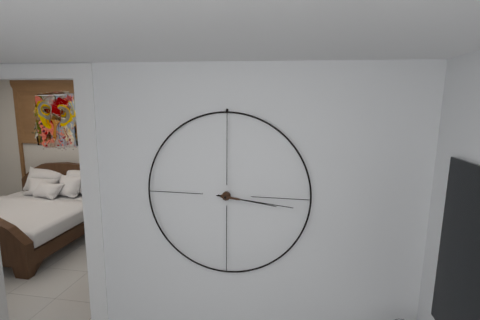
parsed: **3:16**
